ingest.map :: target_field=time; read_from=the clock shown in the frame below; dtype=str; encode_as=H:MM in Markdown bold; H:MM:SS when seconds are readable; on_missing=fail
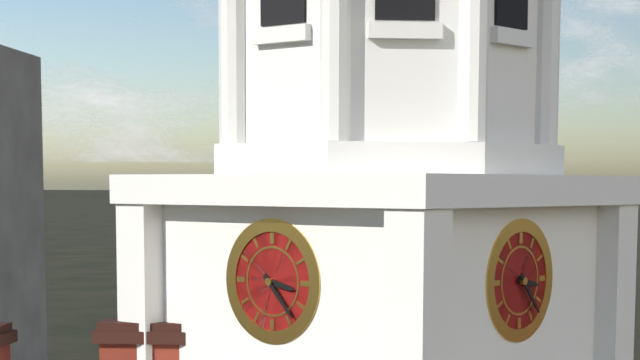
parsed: **3:23**
